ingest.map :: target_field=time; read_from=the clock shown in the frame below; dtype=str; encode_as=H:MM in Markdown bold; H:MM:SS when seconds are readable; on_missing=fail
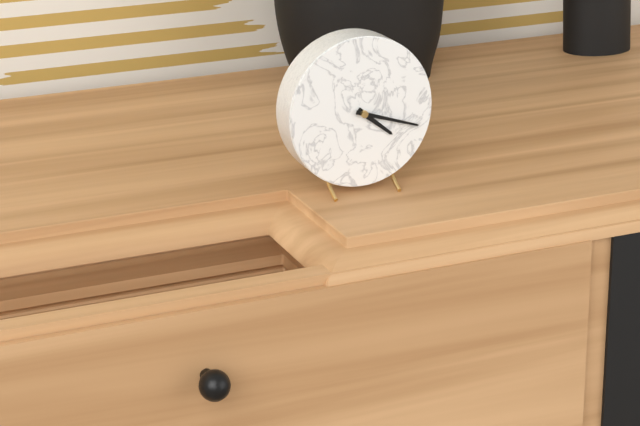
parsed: **4:18**
